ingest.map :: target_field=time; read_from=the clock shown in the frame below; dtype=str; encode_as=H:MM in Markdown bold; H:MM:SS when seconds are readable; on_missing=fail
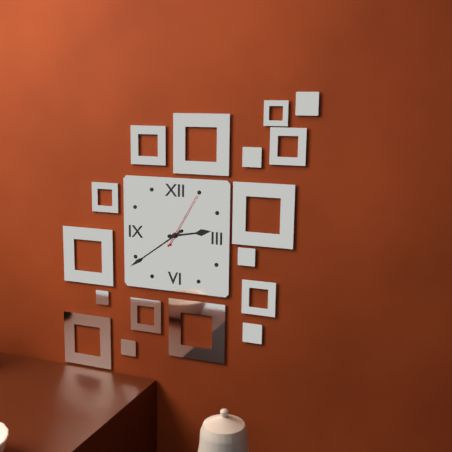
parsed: **2:39:05**
